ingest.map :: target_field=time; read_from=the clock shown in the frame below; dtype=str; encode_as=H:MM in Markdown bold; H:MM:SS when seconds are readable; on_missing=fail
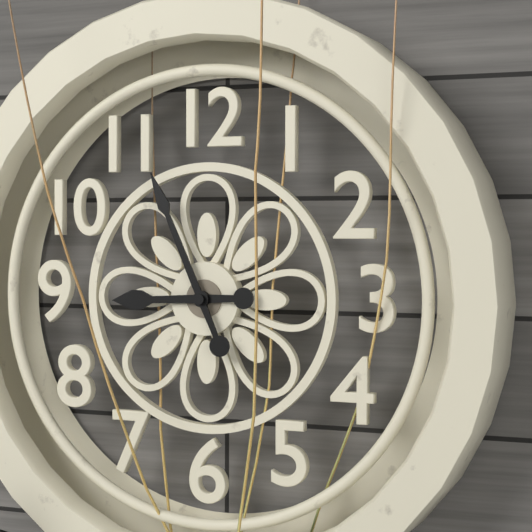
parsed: **8:56**
